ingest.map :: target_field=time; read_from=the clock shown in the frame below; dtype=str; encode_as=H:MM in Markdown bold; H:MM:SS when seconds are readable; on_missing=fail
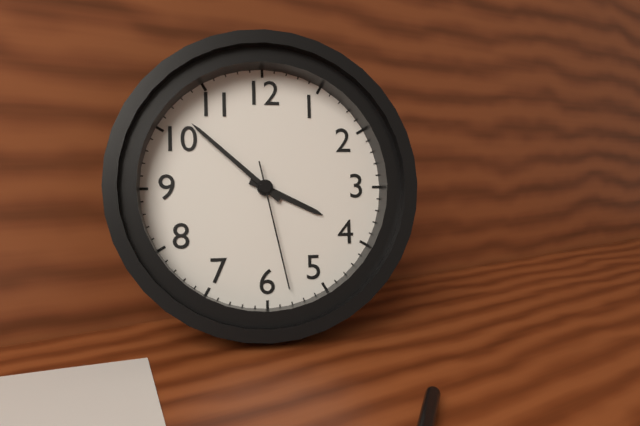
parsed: **3:52:28**
